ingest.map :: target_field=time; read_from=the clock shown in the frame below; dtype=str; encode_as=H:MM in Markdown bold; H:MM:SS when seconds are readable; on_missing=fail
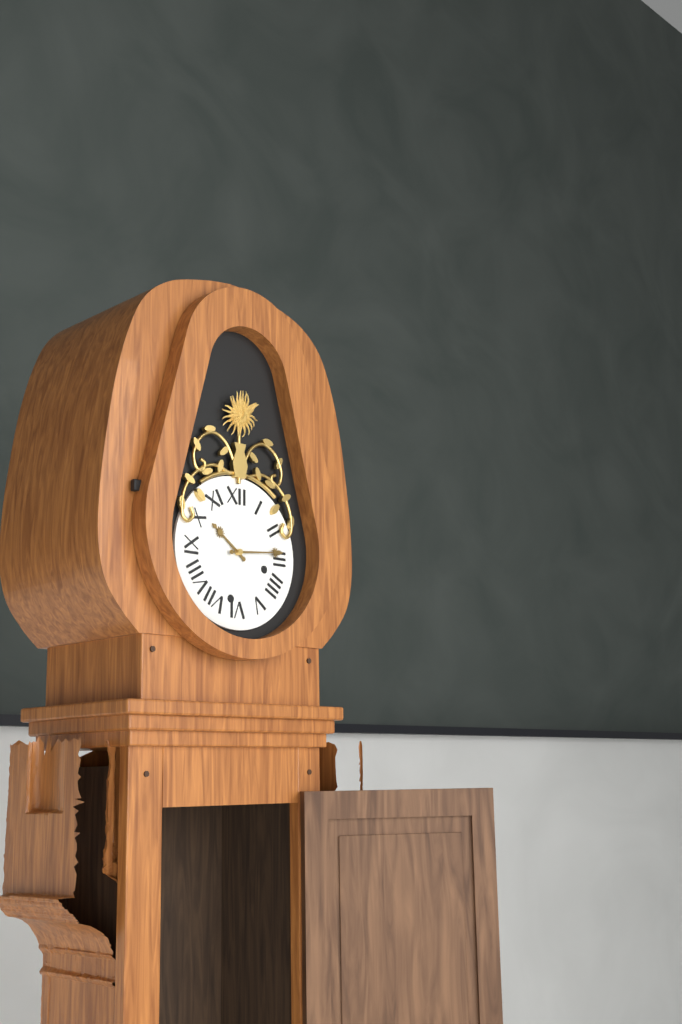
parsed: **10:14**
